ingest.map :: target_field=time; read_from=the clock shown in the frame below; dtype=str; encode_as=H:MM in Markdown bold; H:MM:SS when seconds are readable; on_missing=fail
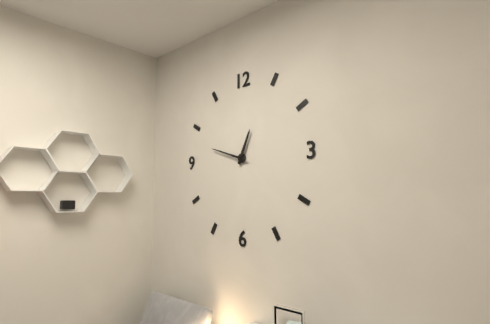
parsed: **12:48**
